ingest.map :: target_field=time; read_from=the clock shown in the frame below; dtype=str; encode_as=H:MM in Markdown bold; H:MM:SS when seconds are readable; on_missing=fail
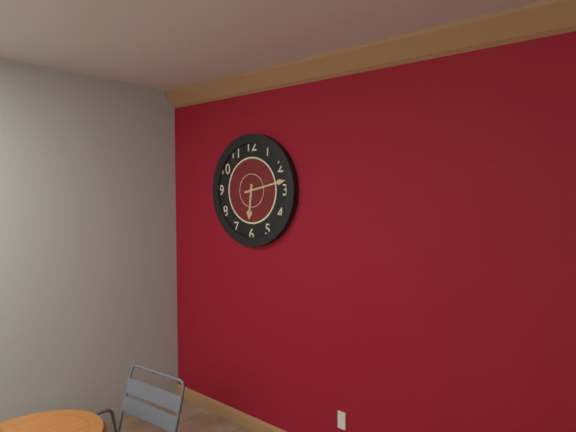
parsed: **6:13**
